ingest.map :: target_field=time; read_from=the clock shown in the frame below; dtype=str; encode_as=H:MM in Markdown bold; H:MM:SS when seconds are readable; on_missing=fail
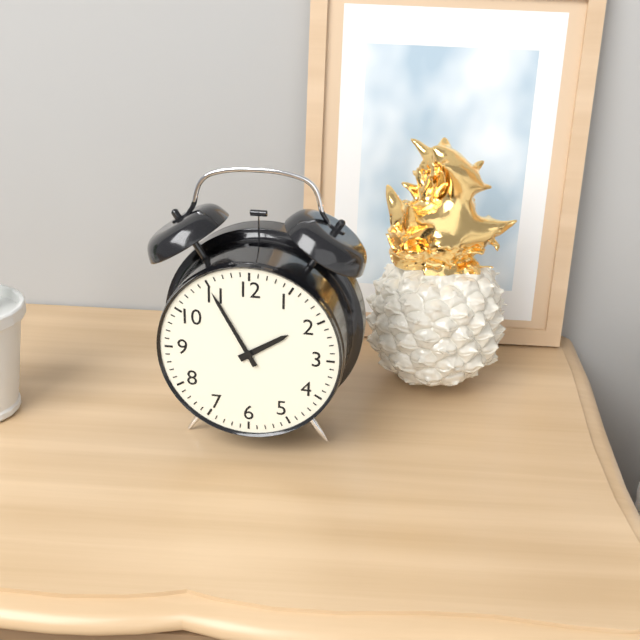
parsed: **1:55**
